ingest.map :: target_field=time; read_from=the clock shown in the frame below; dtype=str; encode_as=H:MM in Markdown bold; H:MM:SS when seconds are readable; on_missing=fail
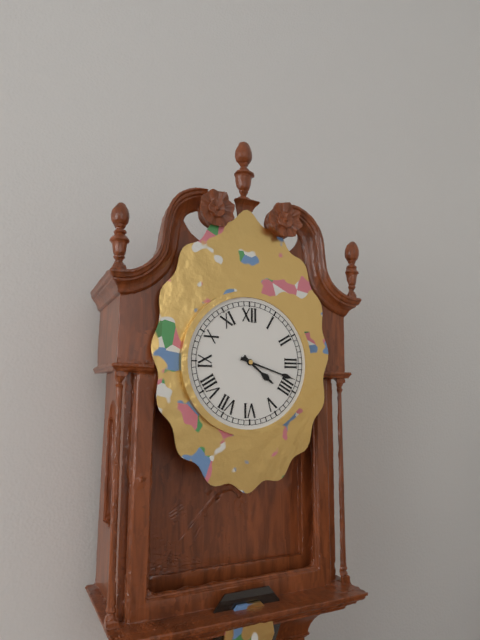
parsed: **4:18**
